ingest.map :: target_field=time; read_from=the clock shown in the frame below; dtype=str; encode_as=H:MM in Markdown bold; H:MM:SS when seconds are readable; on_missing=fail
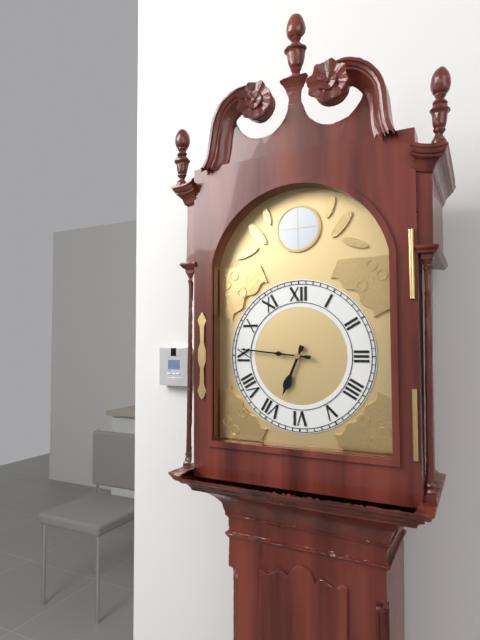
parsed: **6:46**
